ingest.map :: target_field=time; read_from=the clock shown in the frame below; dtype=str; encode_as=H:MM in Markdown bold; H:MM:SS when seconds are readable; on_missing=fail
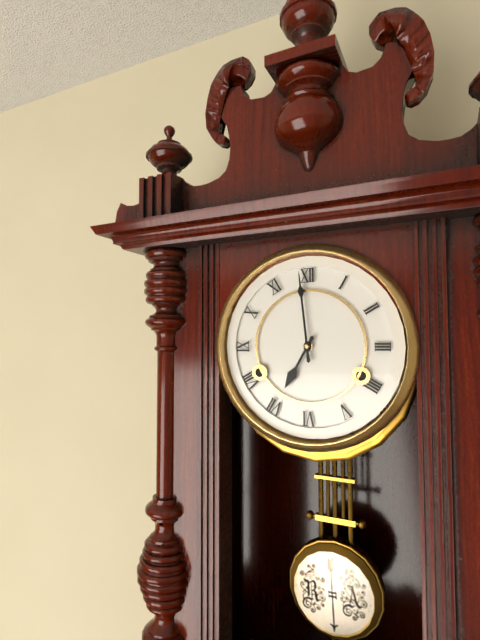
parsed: **6:59**
